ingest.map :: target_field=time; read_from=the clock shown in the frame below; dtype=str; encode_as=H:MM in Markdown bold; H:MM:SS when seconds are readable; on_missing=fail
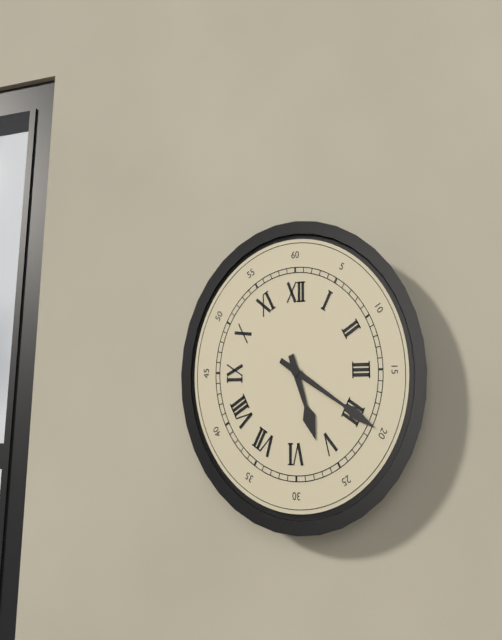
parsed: **5:20**
